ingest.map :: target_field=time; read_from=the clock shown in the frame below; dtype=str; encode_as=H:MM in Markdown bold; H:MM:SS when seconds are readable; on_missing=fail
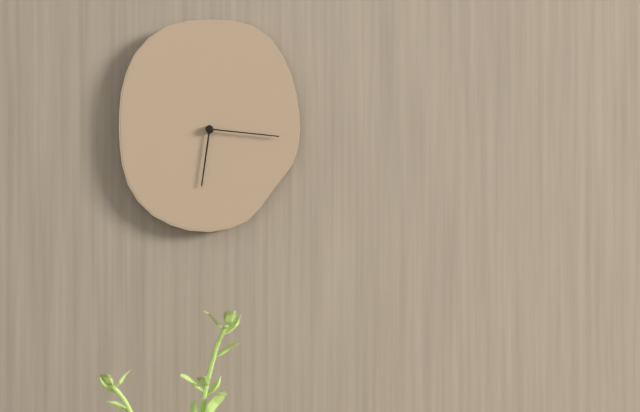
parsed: **6:16**
